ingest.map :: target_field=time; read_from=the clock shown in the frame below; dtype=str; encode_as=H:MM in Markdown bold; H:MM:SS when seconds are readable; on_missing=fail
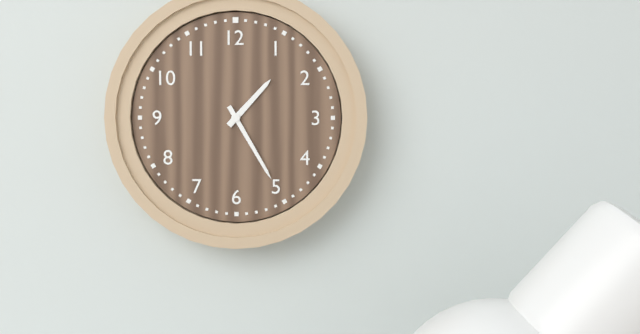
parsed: **1:25**
